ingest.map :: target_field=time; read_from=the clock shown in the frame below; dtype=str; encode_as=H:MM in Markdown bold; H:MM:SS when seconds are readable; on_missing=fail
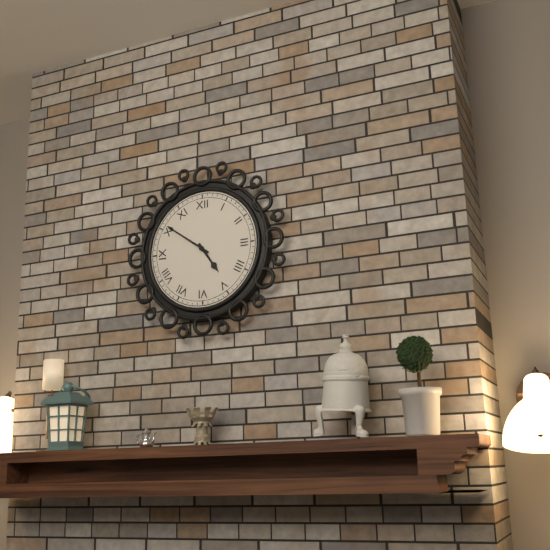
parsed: **4:51**
